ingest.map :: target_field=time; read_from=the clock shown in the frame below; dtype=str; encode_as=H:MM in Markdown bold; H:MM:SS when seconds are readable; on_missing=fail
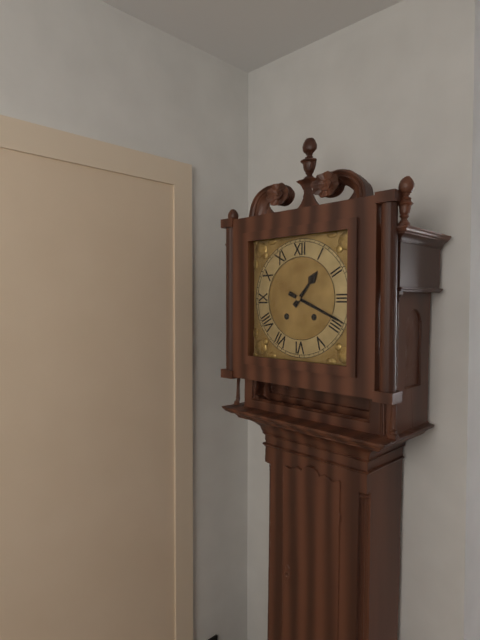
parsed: **1:19**
